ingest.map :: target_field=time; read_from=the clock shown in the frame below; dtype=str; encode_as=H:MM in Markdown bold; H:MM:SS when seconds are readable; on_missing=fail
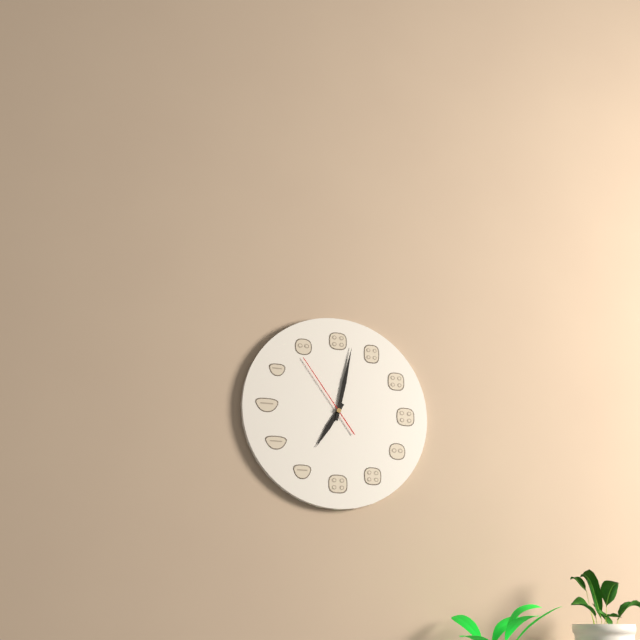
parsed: **7:02:54**
